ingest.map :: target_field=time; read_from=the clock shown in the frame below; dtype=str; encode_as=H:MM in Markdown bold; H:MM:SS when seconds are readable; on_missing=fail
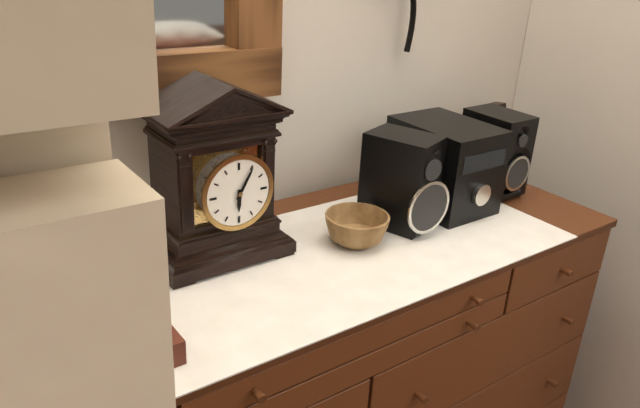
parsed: **6:05**
